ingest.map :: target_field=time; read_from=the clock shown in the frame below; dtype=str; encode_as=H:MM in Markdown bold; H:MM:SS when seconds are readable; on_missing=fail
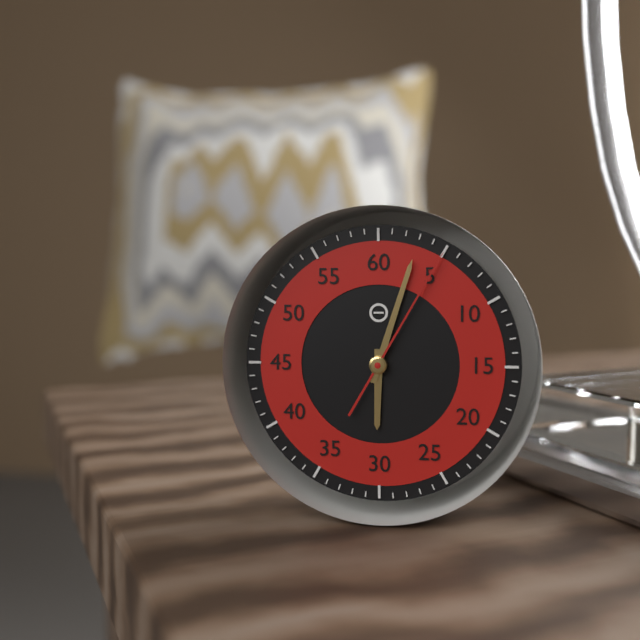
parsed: **6:03:05**
